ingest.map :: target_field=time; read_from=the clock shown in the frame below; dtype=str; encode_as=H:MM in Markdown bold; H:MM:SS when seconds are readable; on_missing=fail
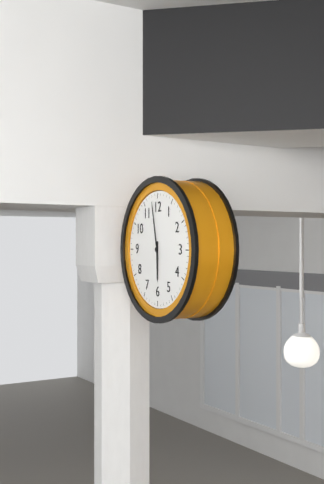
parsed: **5:58**
